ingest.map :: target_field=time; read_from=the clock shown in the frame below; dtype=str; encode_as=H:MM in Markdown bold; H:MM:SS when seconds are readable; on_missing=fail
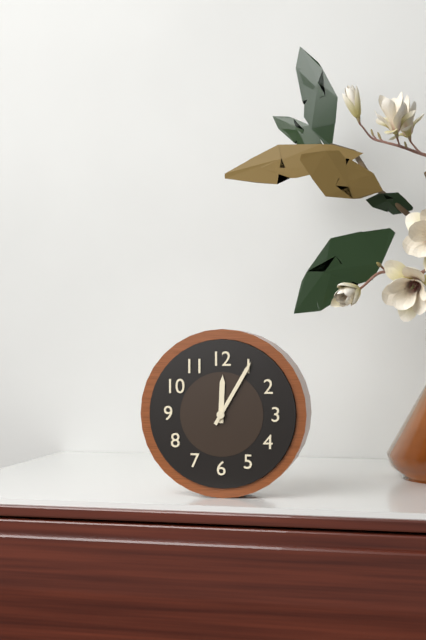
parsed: **12:05**
